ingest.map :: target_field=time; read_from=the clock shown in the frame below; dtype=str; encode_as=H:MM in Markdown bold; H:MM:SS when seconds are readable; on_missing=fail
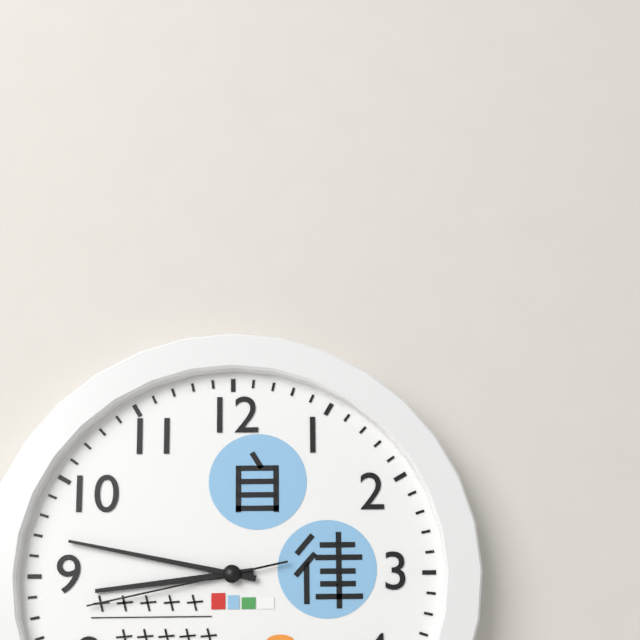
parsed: **8:47:43**
